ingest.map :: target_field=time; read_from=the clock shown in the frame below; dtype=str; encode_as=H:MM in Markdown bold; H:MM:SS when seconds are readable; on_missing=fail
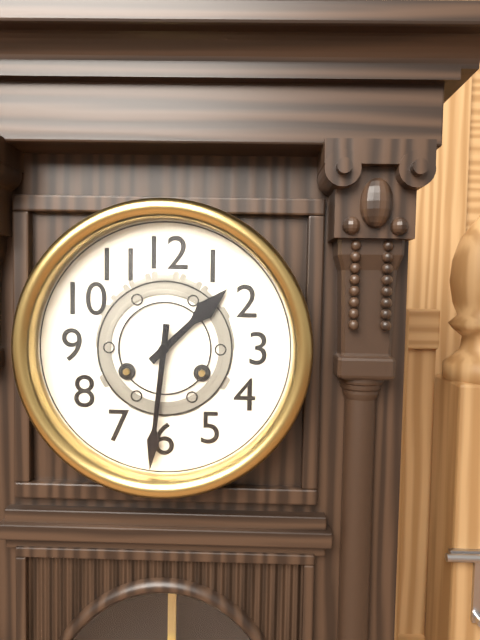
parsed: **1:31**
